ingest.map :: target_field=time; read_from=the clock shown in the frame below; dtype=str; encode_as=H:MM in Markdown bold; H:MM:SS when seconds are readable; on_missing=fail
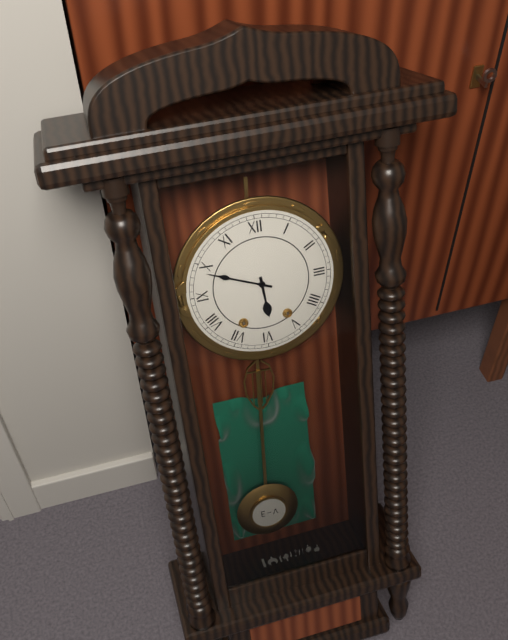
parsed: **5:49**
